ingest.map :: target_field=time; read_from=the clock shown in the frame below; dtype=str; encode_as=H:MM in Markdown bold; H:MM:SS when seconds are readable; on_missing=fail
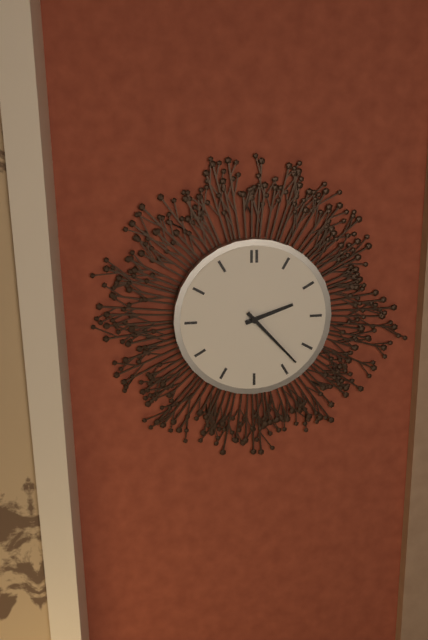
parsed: **2:23**
